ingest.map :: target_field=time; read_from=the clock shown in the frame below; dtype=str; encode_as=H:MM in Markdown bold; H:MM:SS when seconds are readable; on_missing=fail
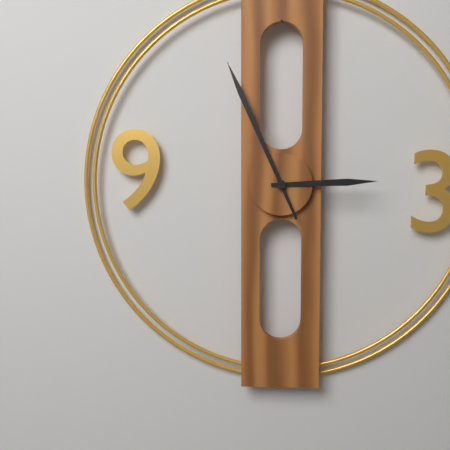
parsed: **2:56**
